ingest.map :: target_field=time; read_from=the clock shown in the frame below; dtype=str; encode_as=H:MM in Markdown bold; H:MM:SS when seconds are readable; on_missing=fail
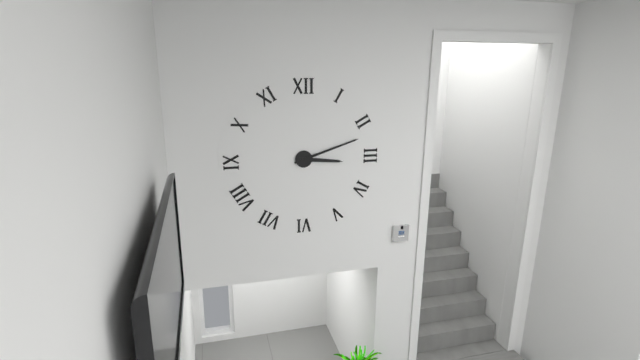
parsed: **3:12**
